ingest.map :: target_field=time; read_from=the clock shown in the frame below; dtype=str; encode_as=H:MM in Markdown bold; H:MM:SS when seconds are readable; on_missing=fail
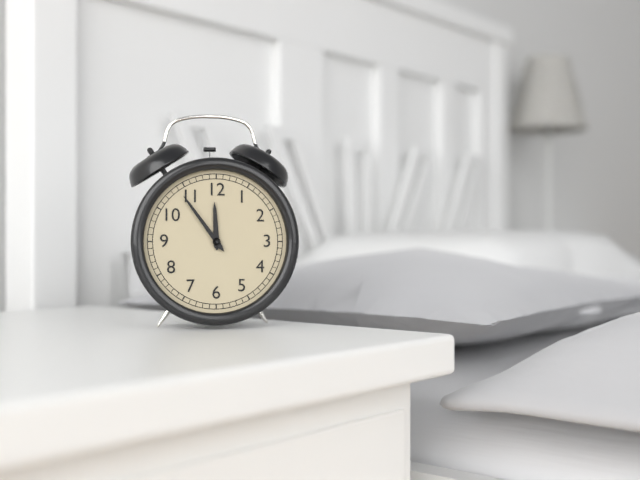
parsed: **11:54**
